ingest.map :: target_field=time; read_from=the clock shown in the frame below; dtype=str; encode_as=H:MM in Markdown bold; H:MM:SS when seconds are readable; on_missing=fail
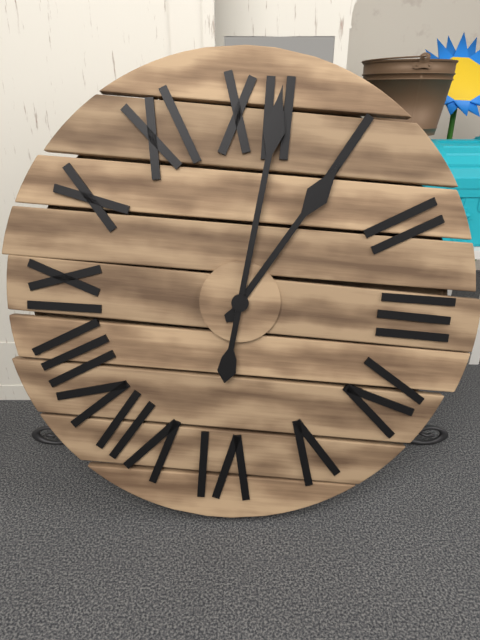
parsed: **1:01**
